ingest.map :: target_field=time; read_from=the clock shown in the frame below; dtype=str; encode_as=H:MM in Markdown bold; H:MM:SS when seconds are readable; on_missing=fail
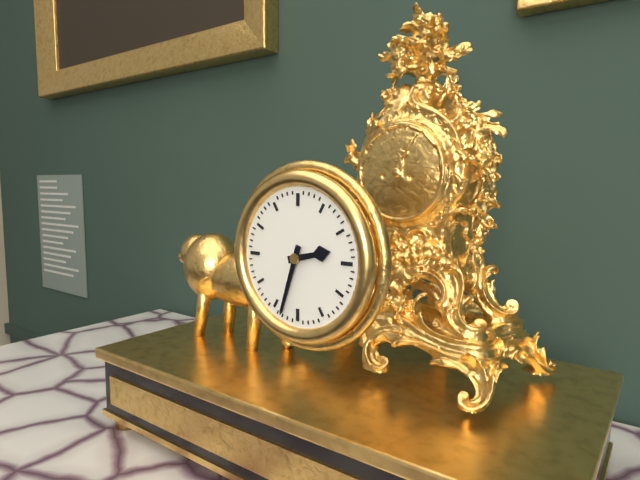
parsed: **2:33**
